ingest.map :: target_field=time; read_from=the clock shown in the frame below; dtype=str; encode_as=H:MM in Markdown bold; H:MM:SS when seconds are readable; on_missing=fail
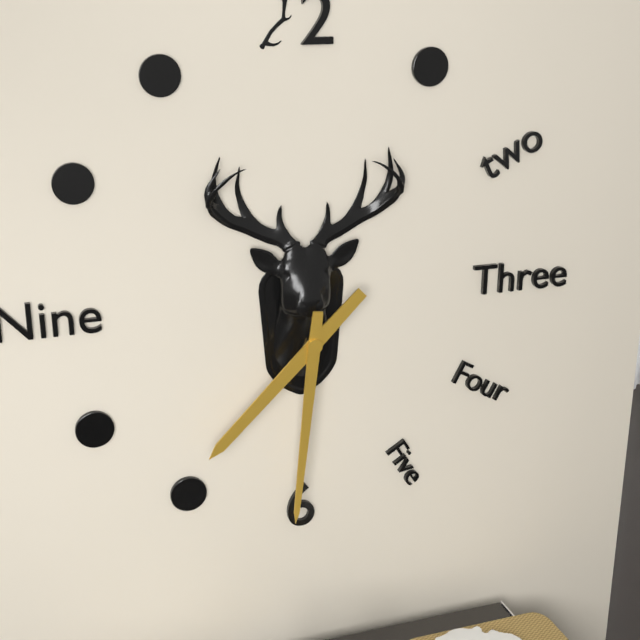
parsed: **7:31**
